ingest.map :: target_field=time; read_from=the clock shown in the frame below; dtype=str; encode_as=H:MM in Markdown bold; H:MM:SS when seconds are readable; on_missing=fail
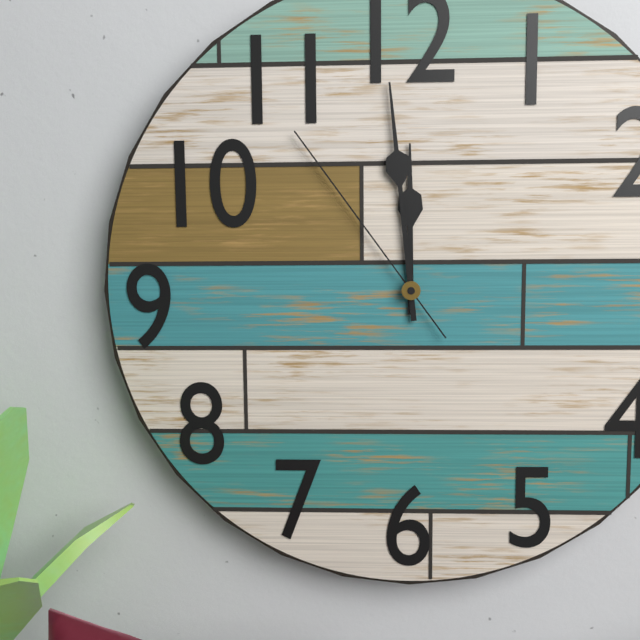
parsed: **11:59:54**
